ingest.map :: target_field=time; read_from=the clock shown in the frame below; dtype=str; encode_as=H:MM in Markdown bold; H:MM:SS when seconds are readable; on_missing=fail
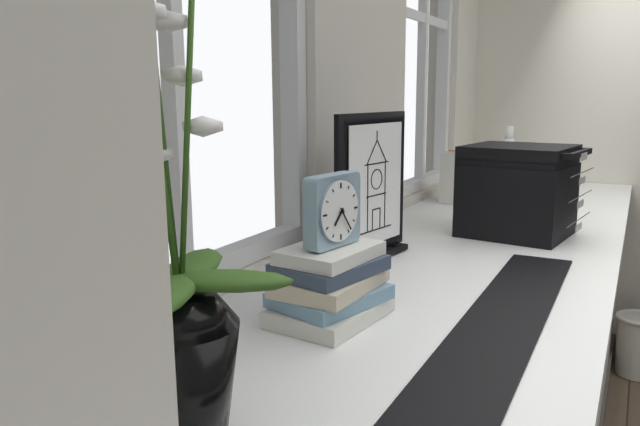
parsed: **7:24**
